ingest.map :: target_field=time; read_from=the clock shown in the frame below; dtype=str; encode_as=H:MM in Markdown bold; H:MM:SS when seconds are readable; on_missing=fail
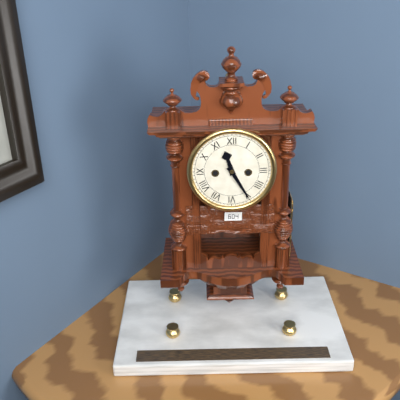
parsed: **11:25**
